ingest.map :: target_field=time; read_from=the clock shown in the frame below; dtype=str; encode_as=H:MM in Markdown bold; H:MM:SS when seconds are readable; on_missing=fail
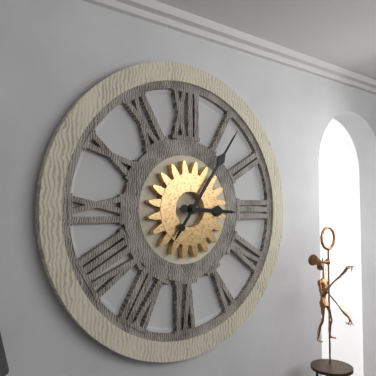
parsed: **3:06**
